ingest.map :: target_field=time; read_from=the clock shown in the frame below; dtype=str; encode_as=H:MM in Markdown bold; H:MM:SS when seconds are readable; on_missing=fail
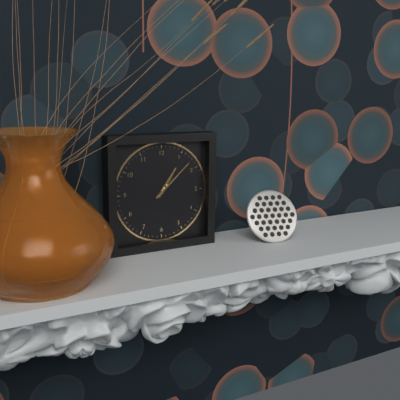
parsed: **1:08**
